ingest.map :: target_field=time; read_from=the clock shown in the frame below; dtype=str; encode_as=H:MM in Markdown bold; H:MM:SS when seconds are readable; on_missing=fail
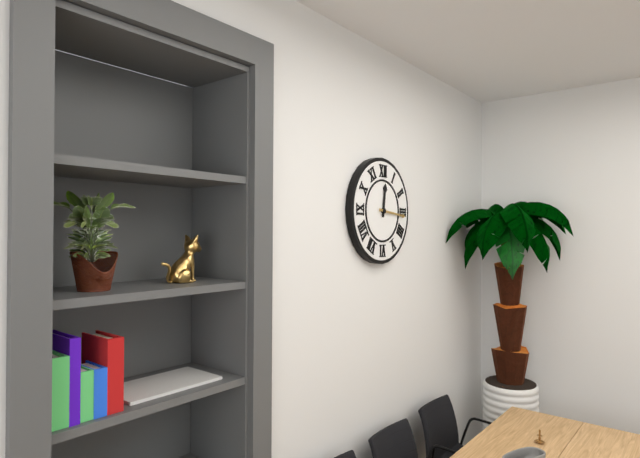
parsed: **12:16**
